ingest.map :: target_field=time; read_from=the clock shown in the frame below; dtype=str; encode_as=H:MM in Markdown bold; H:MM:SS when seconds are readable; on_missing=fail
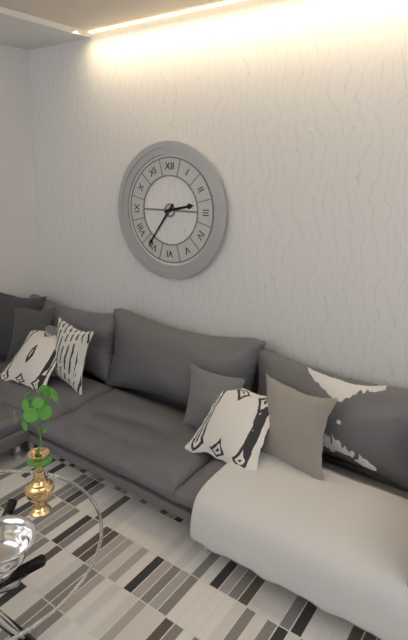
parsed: **2:36**
